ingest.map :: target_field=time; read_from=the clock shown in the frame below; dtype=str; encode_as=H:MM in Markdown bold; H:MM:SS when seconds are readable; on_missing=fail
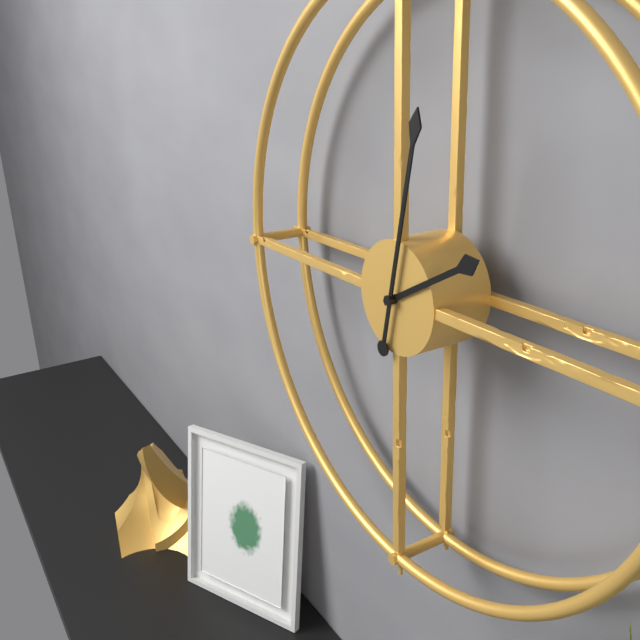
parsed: **2:02**
